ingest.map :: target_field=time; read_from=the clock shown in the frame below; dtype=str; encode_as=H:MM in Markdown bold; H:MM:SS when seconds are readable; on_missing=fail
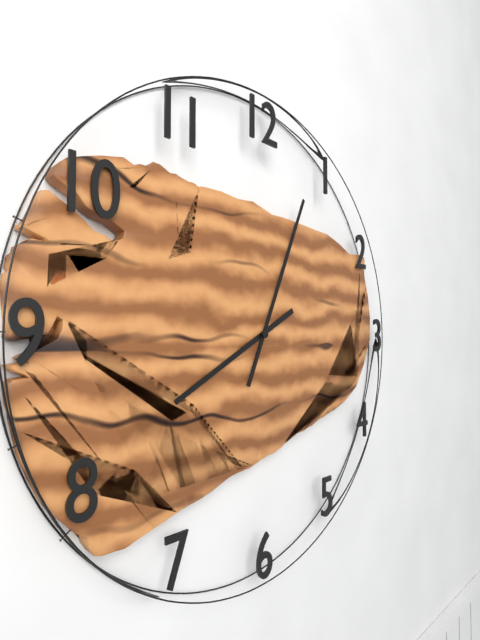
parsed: **8:04**
